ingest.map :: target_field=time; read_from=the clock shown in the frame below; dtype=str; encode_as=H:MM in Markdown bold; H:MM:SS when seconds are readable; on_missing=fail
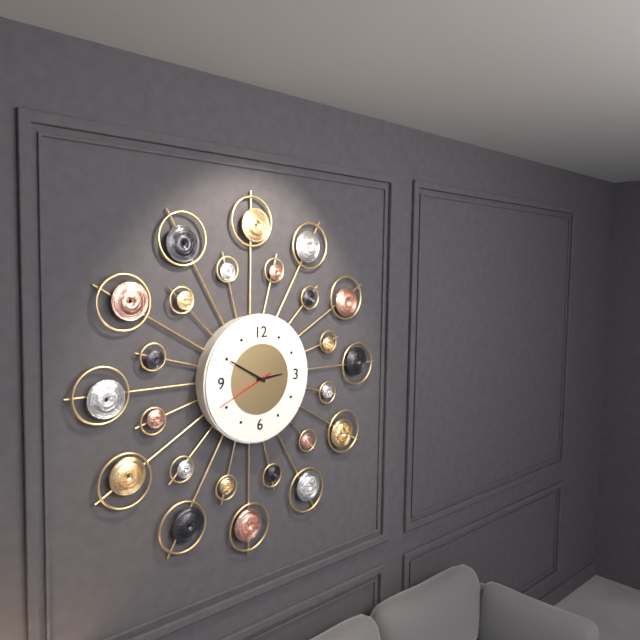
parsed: **2:50:41**
